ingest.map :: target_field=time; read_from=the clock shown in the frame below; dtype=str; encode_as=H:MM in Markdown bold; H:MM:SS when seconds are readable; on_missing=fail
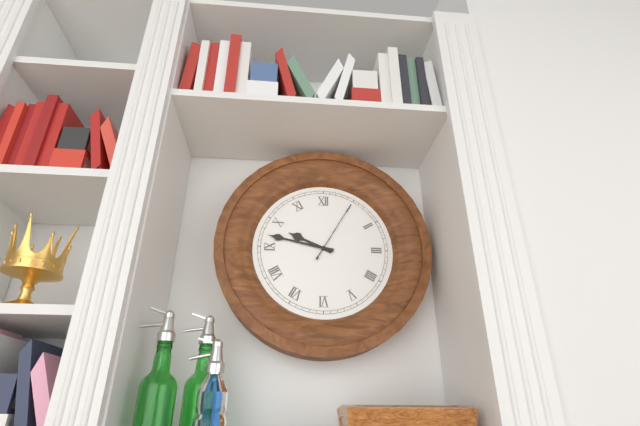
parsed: **9:47:05**
